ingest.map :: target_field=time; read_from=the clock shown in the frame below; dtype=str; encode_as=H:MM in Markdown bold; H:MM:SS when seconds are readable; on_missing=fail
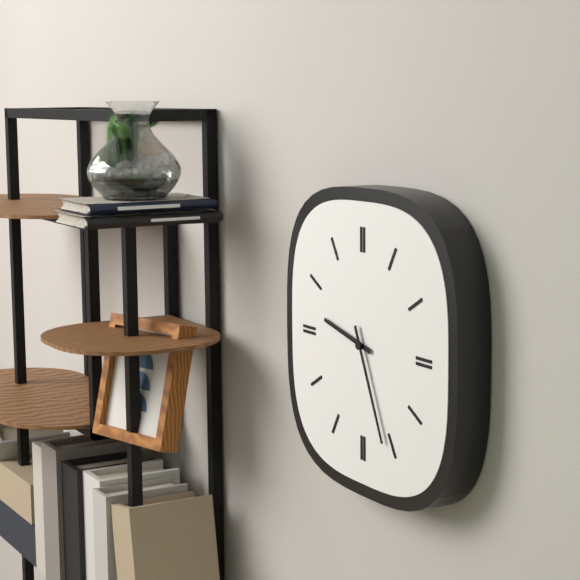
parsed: **9:26**
